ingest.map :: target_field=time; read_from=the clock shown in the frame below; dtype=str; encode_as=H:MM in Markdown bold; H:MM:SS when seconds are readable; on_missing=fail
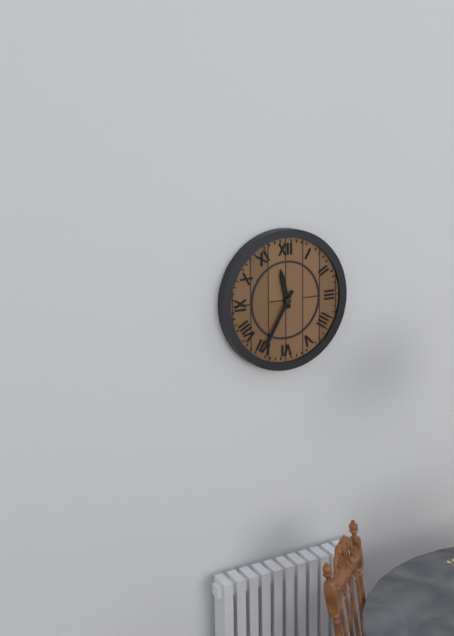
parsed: **11:35**
